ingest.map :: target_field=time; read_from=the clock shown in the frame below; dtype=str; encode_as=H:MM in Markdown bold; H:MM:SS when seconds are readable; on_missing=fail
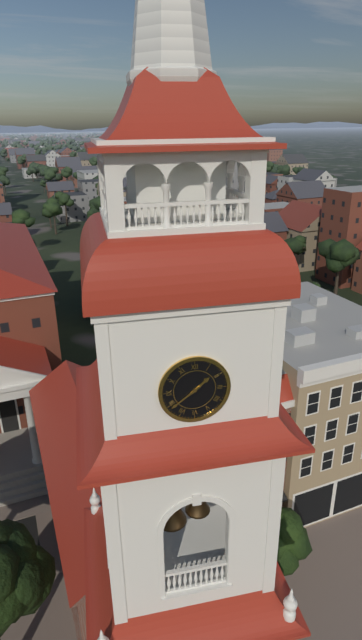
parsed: **1:39**
